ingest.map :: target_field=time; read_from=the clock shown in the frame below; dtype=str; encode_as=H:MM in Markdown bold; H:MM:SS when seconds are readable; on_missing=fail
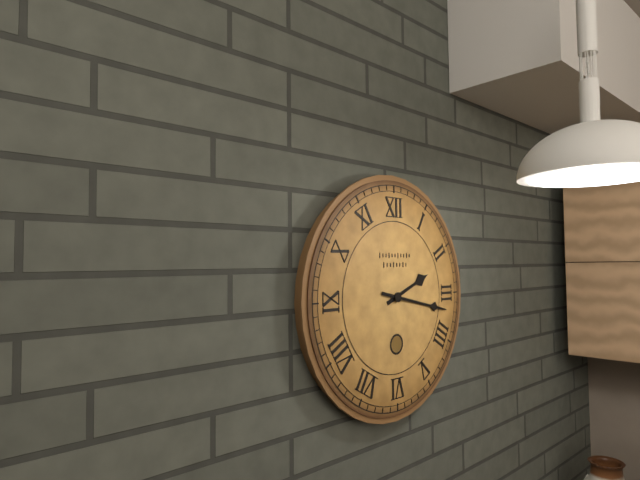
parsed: **2:17**
